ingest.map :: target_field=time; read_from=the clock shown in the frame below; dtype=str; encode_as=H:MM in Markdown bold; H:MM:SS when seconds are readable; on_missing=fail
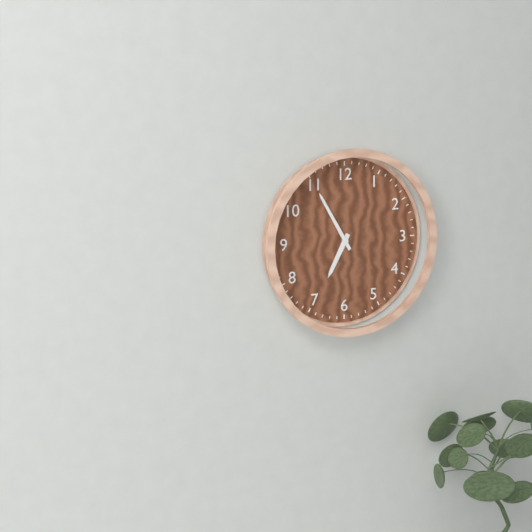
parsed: **6:55**
